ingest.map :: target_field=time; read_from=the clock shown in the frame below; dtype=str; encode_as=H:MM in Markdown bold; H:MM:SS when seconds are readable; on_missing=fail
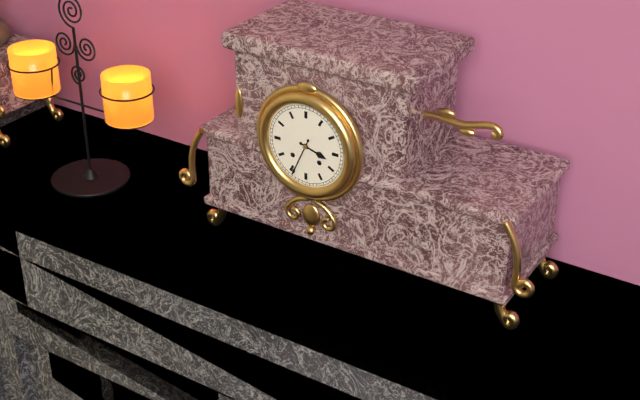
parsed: **3:34**
